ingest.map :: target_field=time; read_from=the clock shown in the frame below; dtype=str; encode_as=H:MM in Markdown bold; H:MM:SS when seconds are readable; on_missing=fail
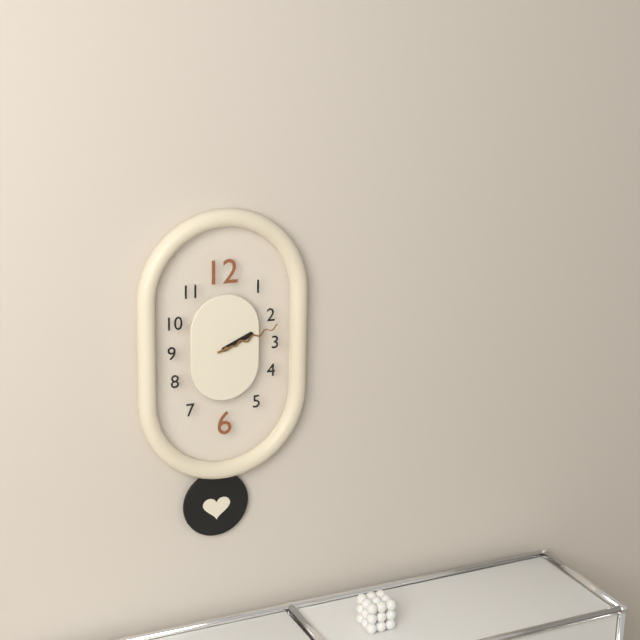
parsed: **2:12**
